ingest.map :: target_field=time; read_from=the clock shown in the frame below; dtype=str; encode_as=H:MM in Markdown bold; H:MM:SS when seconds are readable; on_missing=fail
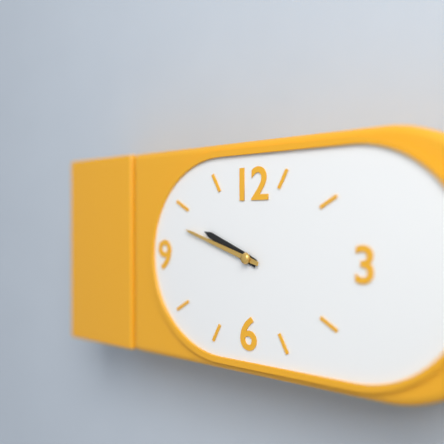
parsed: **9:48**
